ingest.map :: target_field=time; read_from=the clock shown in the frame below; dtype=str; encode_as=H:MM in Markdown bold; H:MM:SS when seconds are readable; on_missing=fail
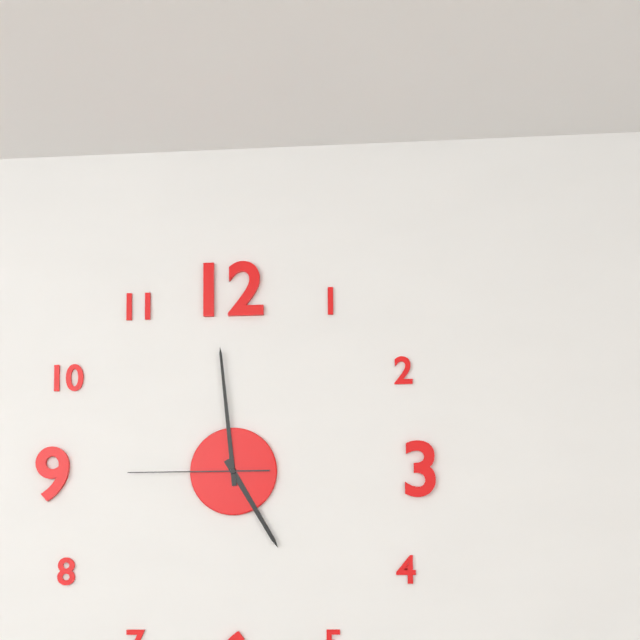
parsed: **4:59:45**
